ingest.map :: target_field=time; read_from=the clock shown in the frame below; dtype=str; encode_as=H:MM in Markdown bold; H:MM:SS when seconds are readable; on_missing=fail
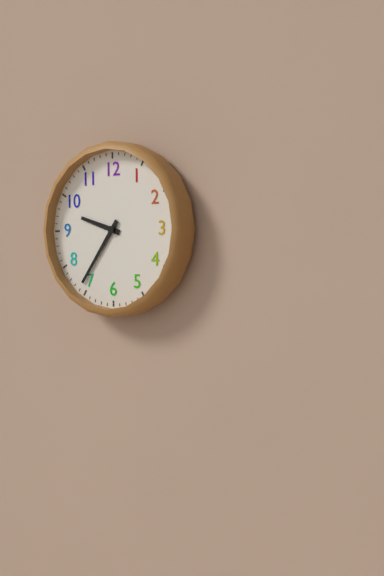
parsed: **9:36**
